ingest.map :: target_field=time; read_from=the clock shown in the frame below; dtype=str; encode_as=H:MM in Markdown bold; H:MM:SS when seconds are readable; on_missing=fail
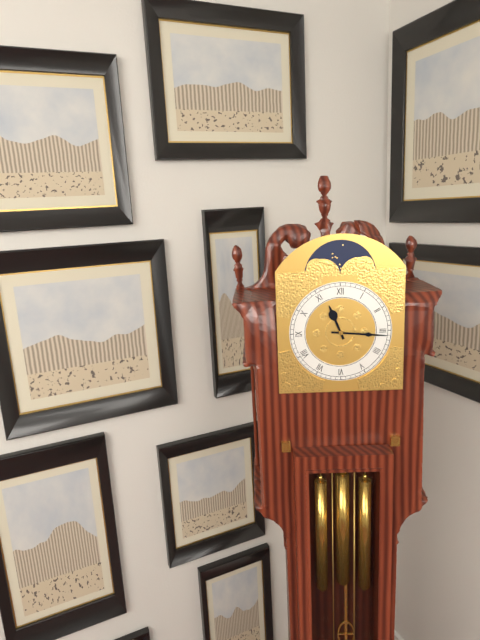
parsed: **11:16**
